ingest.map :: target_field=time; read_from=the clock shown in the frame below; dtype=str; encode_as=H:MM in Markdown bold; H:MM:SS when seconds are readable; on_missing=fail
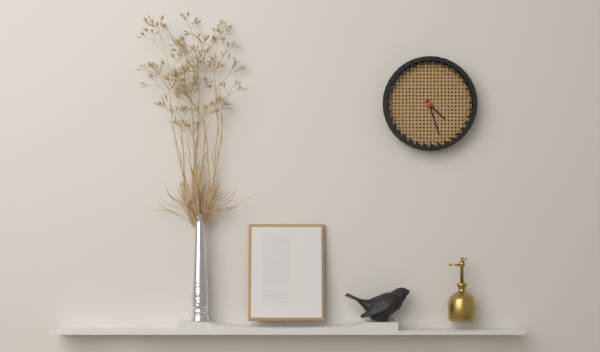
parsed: **4:27**
